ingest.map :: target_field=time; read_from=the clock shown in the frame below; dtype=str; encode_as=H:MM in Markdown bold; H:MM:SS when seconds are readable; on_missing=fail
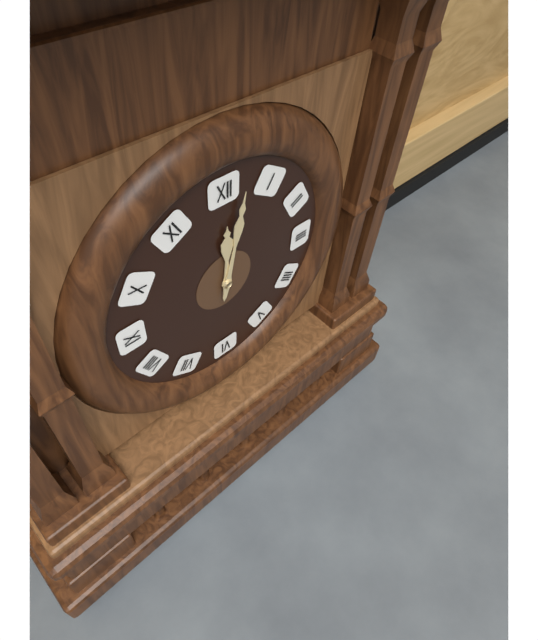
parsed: **12:02**
